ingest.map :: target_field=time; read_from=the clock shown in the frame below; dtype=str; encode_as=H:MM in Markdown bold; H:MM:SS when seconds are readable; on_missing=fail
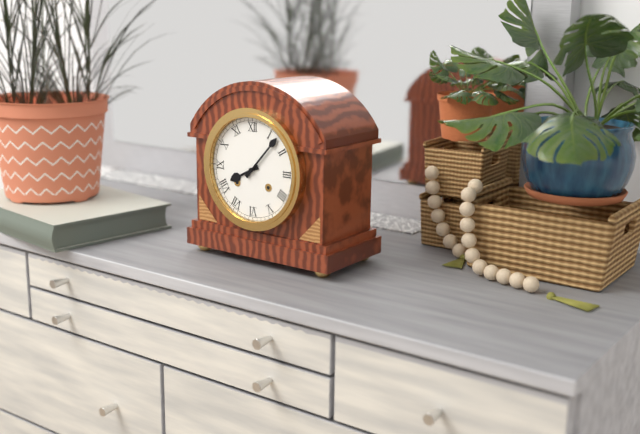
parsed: **8:07**
